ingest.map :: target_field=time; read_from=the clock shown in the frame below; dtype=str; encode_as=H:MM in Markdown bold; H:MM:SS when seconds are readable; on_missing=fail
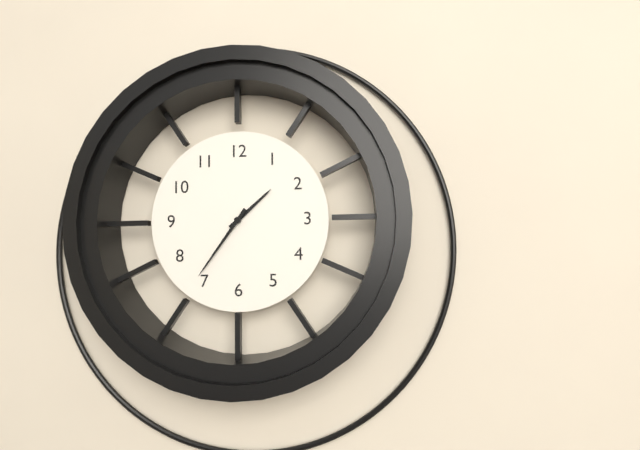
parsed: **1:36**
